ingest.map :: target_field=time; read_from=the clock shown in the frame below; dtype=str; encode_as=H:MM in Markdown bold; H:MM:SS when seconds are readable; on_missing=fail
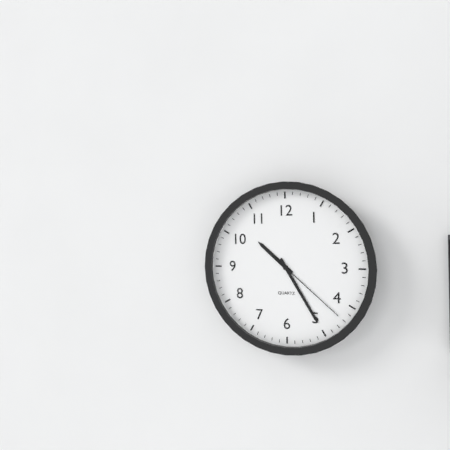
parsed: **10:25:22**
